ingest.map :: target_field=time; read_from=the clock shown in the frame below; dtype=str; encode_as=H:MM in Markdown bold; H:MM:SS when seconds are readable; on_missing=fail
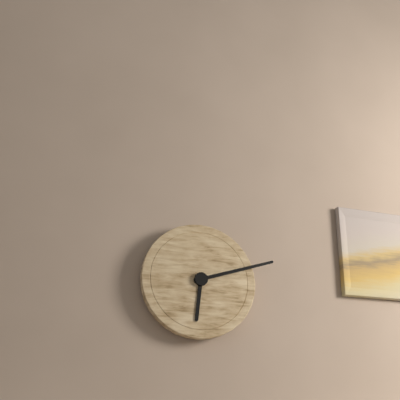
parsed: **6:12**
